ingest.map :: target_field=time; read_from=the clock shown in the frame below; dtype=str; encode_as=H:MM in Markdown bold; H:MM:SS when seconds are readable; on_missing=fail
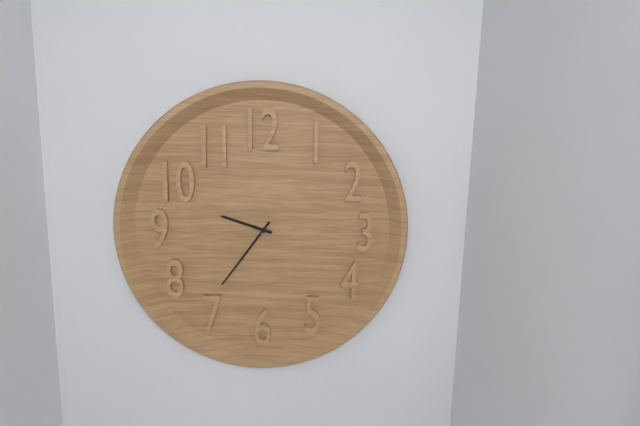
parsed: **9:36**
